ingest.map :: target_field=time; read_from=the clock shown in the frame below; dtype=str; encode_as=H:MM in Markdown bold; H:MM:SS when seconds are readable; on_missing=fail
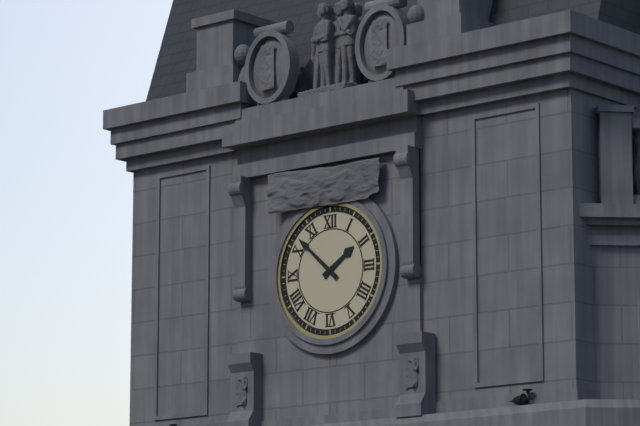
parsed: **1:52**
